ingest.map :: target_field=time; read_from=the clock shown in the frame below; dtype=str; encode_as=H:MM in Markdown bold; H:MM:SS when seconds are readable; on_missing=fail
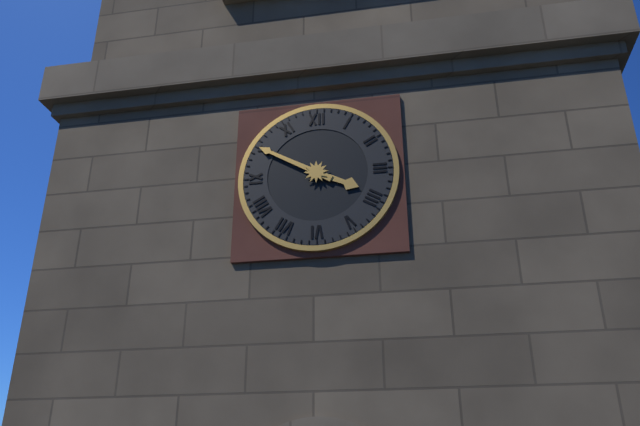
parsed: **3:50**
